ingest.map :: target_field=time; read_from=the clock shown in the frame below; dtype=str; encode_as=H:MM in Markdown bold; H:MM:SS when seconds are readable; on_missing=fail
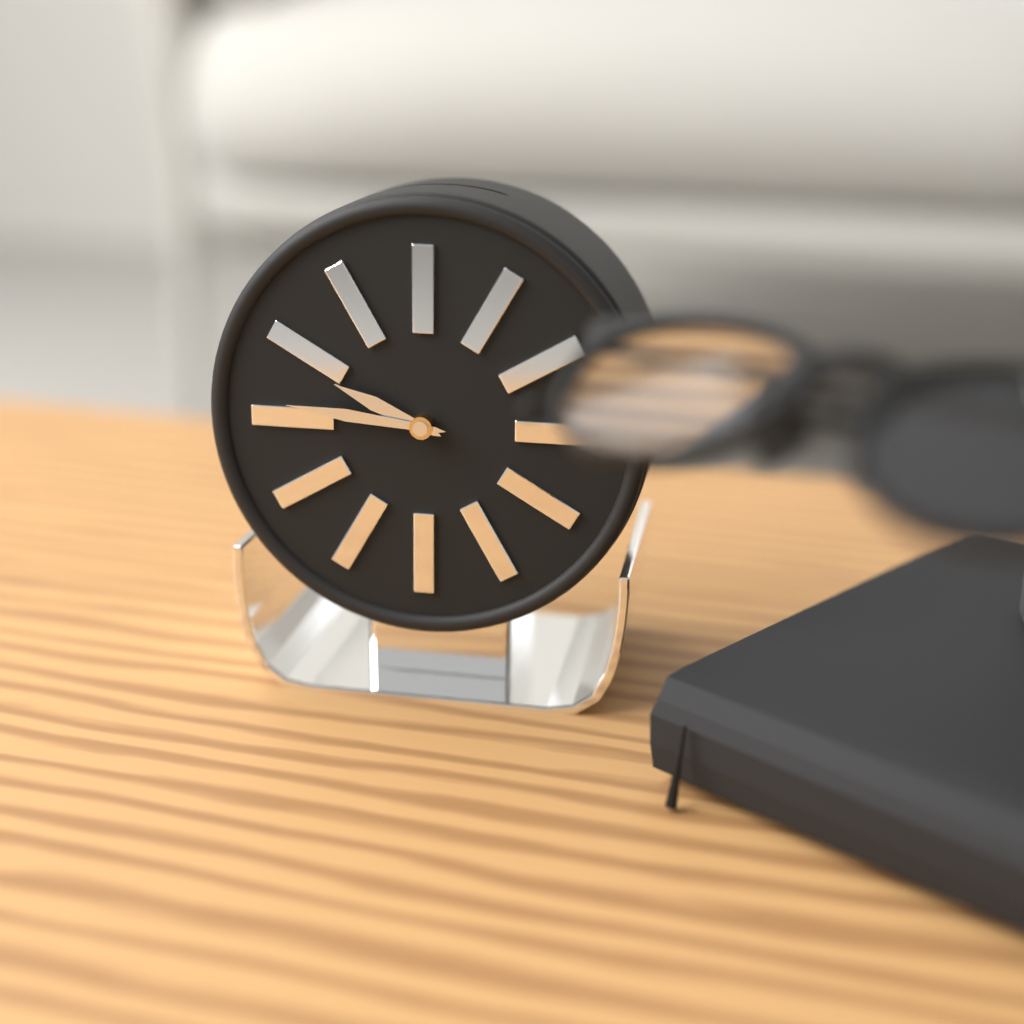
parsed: **9:46**
